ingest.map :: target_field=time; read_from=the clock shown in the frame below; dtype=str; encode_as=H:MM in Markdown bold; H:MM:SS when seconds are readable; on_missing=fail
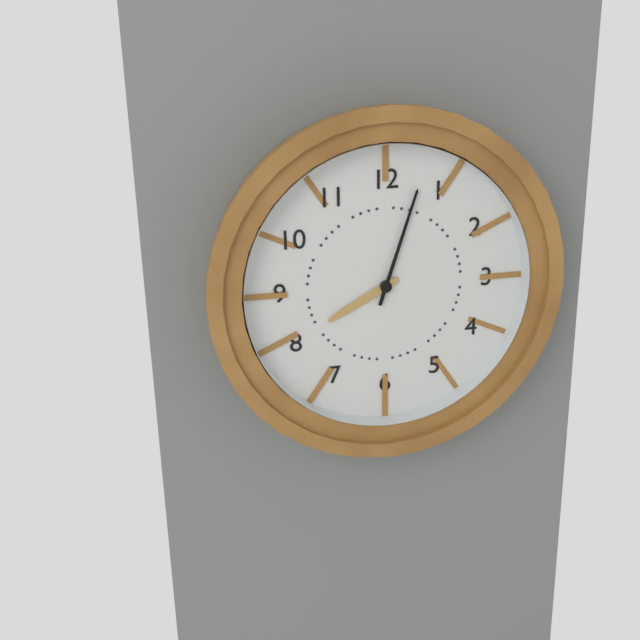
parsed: **8:03**
